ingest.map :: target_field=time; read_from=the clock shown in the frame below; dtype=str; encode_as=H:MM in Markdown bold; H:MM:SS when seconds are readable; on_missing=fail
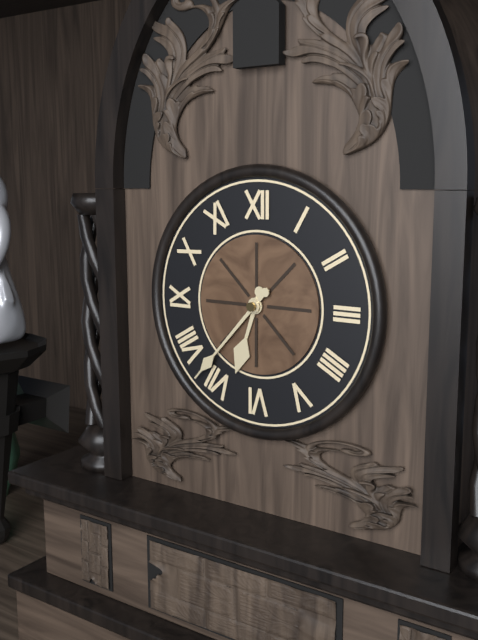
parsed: **6:37**
